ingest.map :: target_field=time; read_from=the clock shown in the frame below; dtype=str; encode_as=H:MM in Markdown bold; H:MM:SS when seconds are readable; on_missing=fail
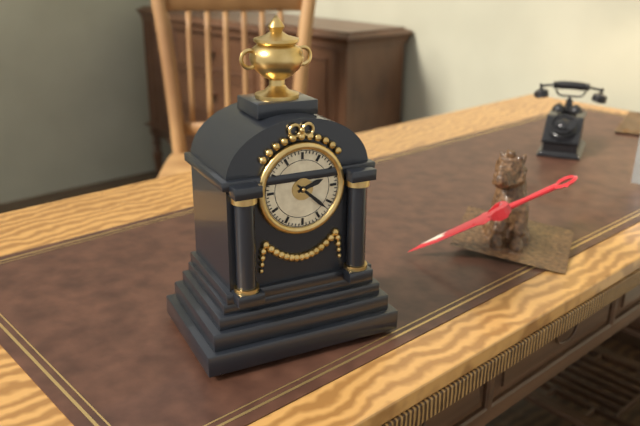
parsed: **2:22**
